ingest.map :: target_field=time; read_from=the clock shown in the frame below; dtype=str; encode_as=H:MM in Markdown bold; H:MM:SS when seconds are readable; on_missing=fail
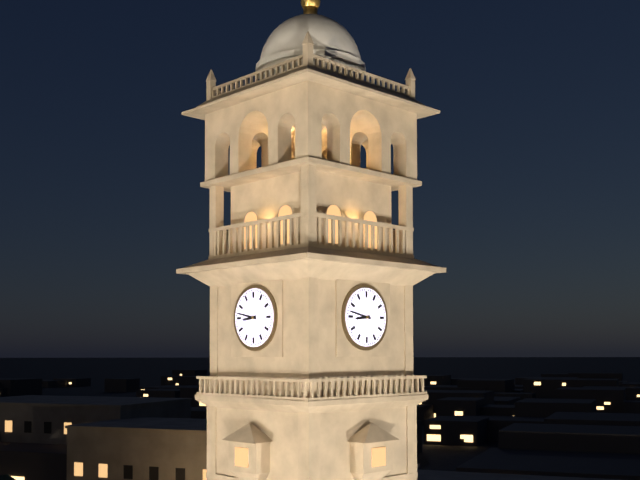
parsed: **8:47**
